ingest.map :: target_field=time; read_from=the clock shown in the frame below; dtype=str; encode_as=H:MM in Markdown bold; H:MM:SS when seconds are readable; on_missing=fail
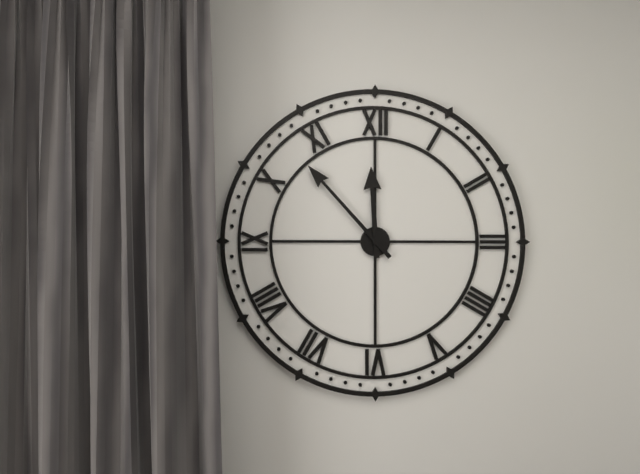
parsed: **11:53**
